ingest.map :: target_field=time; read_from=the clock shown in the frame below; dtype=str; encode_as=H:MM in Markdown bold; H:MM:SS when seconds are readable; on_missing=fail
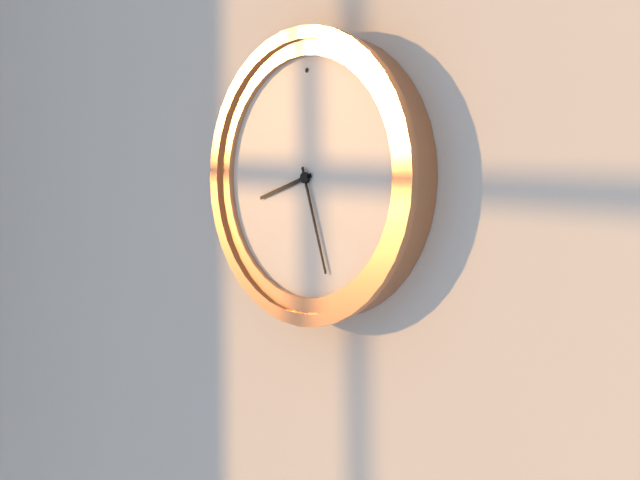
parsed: **8:27**
